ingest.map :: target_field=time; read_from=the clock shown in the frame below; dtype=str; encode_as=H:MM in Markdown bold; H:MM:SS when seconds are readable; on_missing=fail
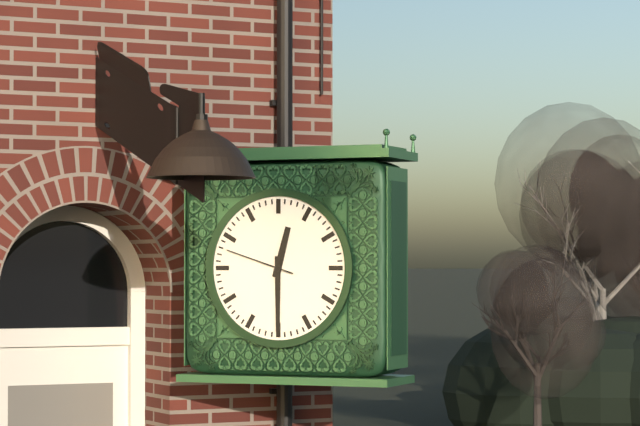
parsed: **12:30:48**
